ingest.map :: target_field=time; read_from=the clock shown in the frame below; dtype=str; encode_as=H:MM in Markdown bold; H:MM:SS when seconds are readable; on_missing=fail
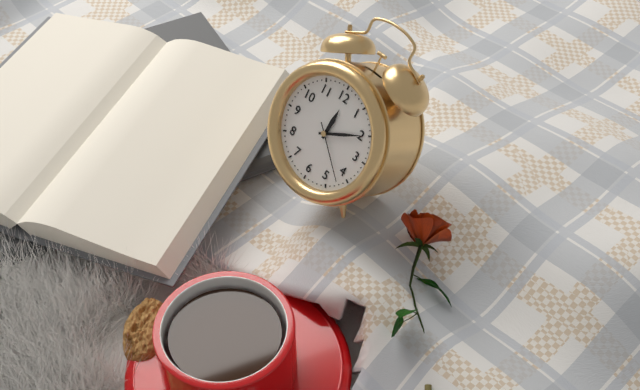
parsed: **12:10:22**
